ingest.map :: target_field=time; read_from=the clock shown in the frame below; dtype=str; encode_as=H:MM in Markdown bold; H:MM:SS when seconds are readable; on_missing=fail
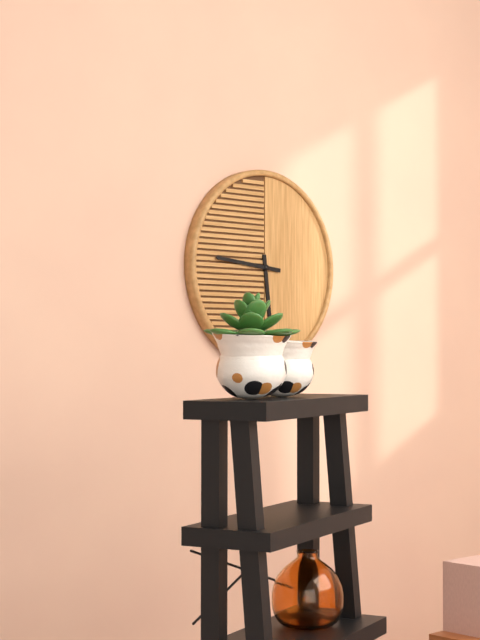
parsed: **5:46**
